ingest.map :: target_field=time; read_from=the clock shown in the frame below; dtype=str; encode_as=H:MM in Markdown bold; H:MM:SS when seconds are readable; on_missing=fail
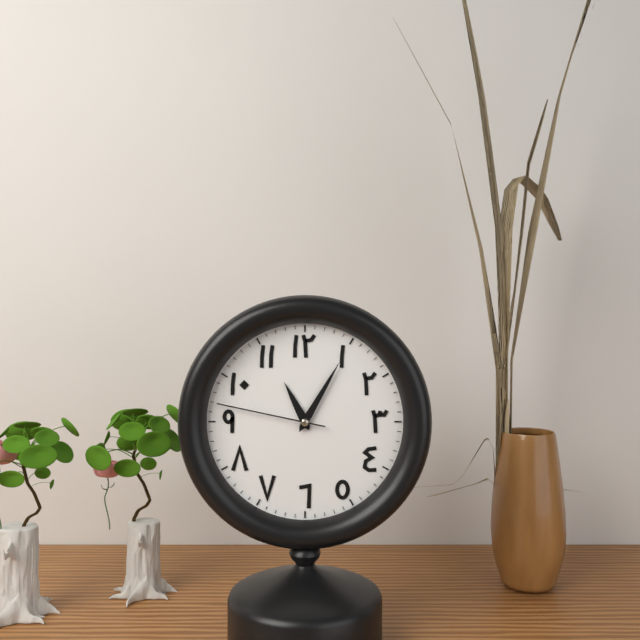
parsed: **11:05:47**
